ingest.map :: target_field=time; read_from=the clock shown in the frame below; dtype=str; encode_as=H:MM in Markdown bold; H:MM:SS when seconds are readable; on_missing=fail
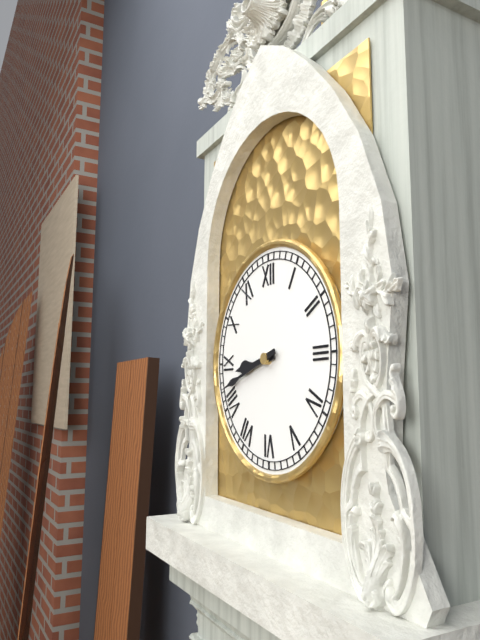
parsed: **8:42**
